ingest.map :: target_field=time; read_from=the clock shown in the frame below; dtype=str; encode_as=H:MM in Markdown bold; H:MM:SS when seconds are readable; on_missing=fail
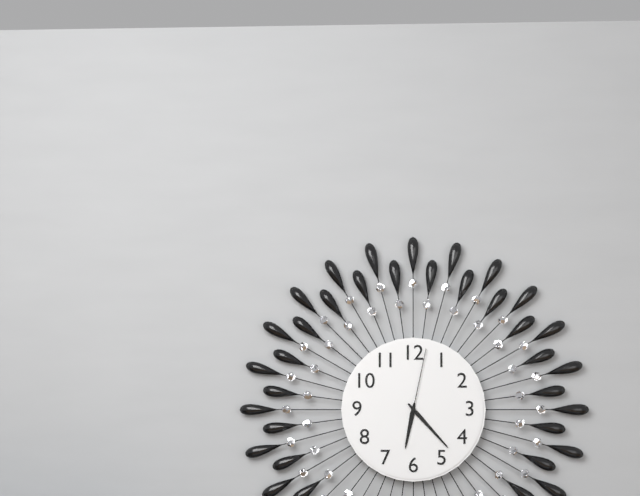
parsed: **6:23:02**
